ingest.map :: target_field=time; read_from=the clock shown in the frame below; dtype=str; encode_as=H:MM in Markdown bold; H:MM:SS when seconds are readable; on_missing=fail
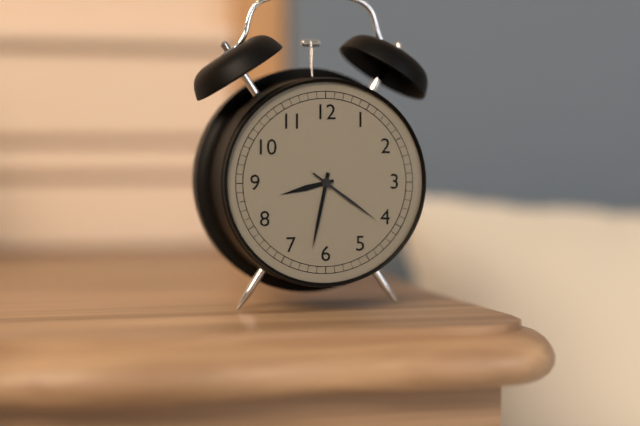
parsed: **8:32:21**
